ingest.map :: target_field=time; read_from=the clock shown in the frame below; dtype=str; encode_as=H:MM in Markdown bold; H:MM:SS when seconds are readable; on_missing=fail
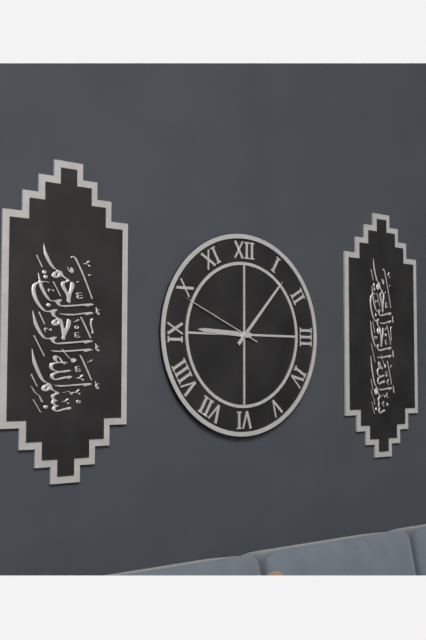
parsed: **9:07:49**
